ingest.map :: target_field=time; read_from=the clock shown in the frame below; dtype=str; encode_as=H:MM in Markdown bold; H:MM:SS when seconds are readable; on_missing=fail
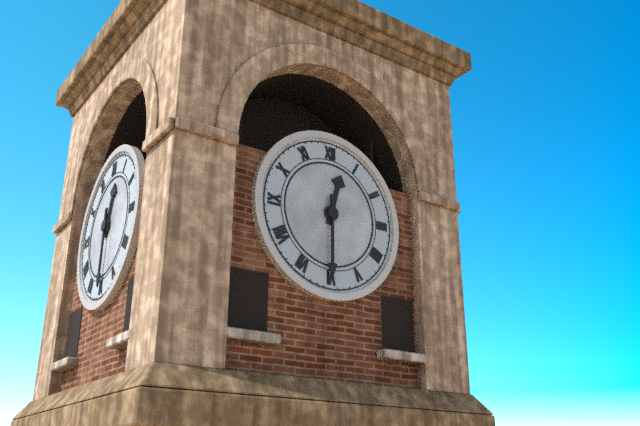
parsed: **12:30**
